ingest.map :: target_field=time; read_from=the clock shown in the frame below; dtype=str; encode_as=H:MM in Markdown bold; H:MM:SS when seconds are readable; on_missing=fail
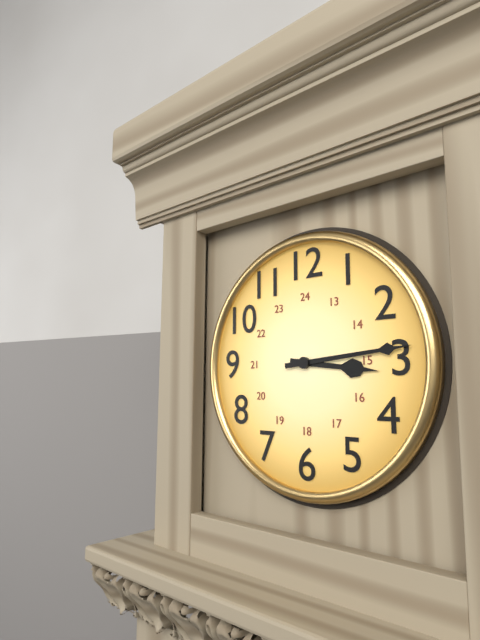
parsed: **3:14**
